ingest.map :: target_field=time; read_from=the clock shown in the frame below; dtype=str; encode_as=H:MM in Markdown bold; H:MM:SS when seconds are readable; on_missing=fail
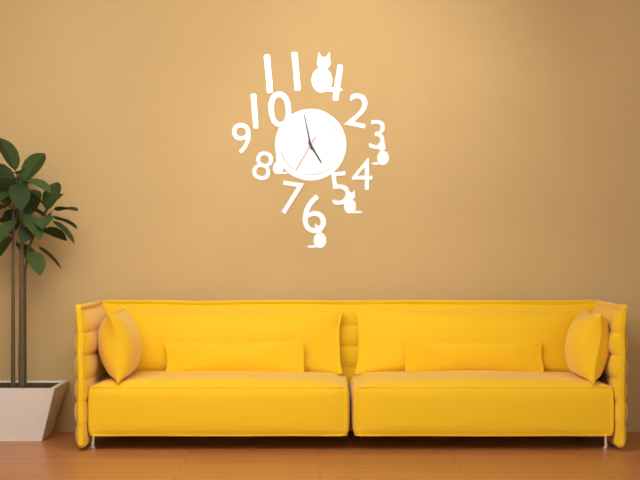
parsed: **4:58**
